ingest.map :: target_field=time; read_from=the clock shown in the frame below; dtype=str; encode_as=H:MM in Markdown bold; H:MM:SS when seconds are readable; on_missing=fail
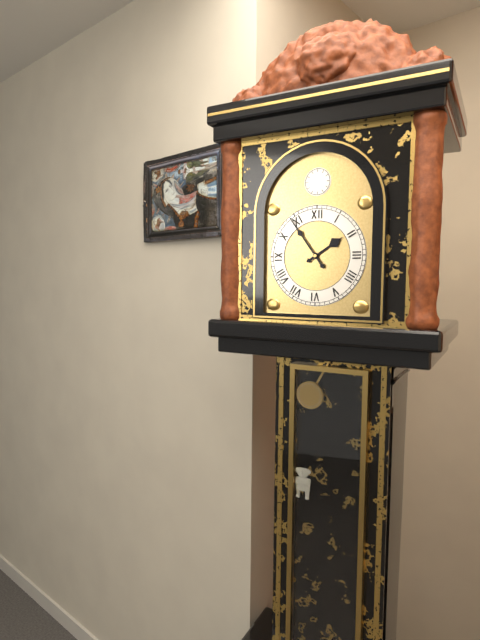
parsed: **1:54**
